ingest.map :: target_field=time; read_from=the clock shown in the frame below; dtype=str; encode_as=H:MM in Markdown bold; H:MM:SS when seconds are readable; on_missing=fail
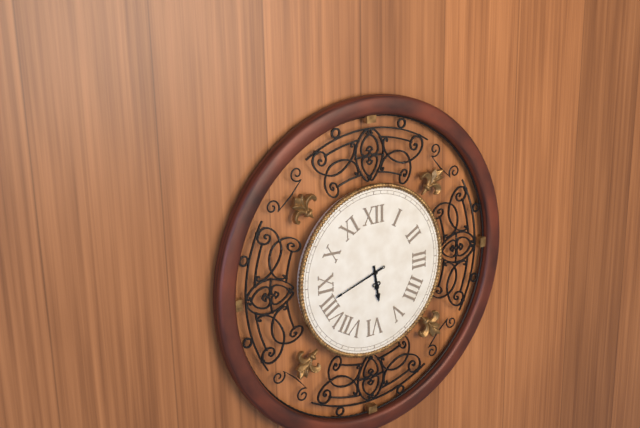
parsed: **5:42**
